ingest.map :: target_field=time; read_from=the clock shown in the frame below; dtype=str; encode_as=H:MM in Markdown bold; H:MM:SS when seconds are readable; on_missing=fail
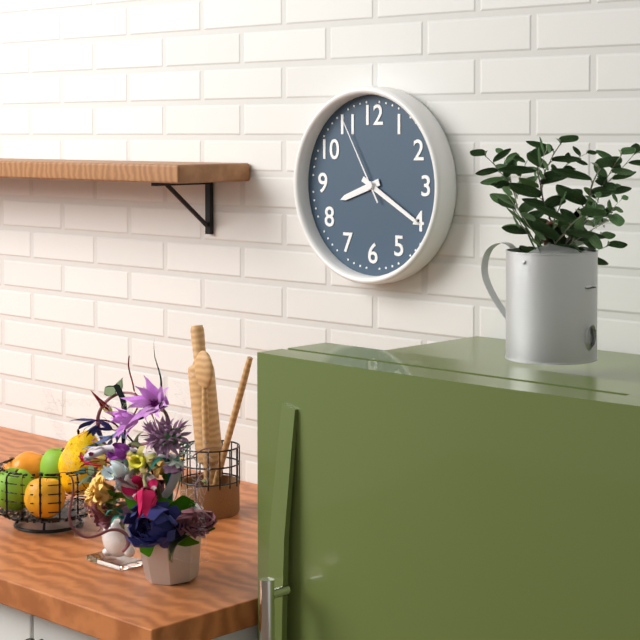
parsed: **8:20:55**
